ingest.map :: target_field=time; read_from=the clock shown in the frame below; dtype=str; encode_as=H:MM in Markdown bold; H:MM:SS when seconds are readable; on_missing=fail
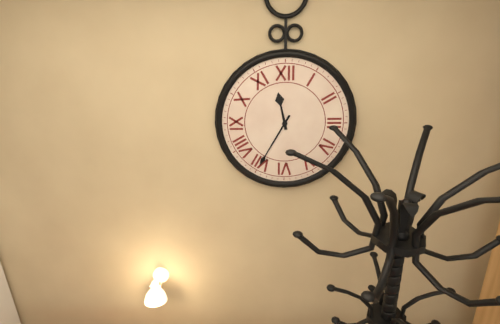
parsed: **11:35**
